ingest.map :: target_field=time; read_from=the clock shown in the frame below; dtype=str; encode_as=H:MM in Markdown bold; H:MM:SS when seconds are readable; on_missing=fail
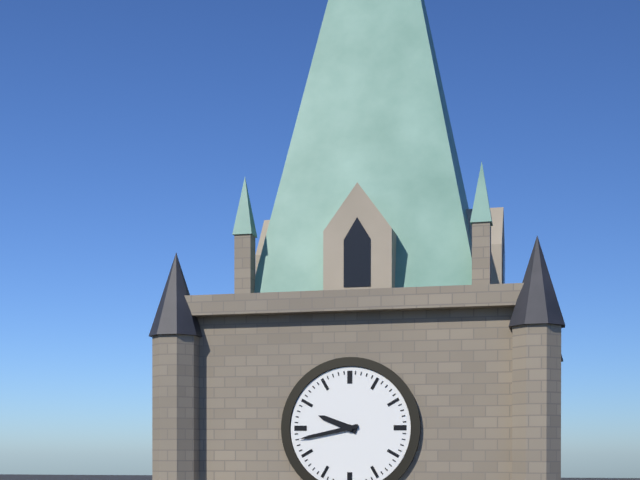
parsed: **9:43**
